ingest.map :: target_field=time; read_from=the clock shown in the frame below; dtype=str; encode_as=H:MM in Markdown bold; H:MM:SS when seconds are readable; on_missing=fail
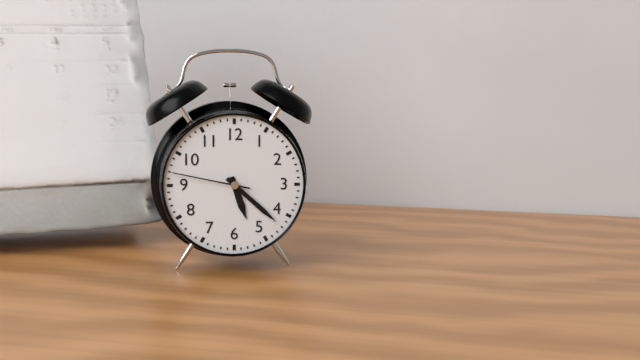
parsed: **5:22:47**
